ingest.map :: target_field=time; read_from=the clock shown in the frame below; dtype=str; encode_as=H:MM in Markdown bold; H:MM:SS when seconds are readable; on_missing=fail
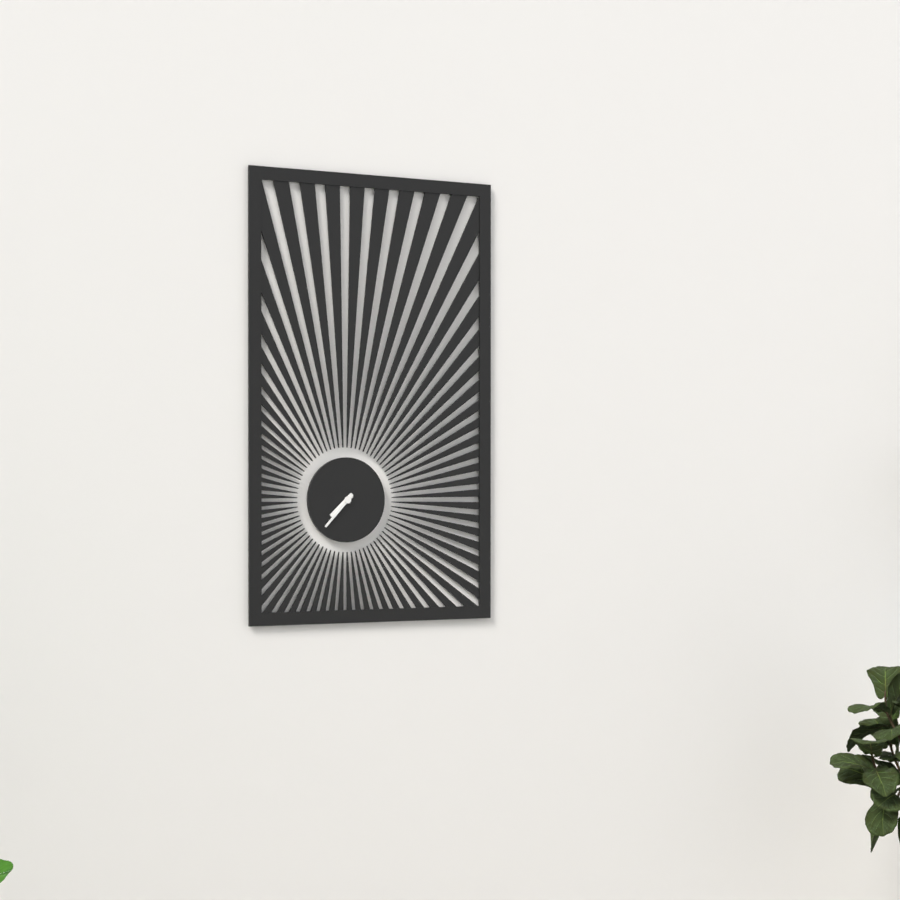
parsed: **7:37**
